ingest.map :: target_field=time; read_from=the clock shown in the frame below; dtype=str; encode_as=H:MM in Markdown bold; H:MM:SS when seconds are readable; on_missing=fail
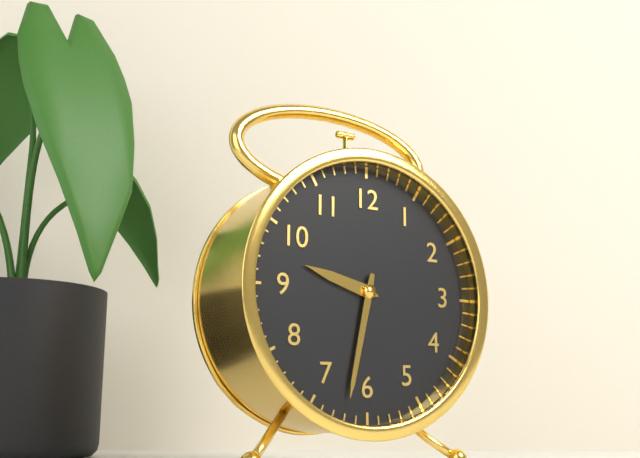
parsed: **9:32**
